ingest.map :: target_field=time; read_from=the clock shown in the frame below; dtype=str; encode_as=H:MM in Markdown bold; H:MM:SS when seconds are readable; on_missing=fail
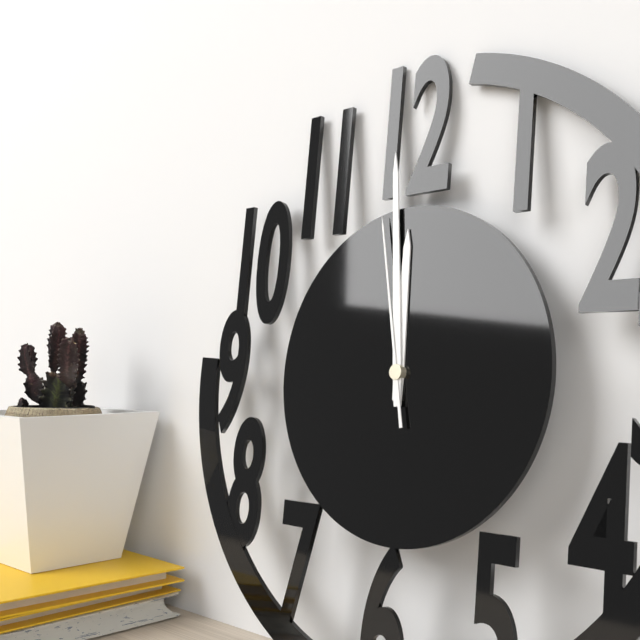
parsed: **11:59:58**
